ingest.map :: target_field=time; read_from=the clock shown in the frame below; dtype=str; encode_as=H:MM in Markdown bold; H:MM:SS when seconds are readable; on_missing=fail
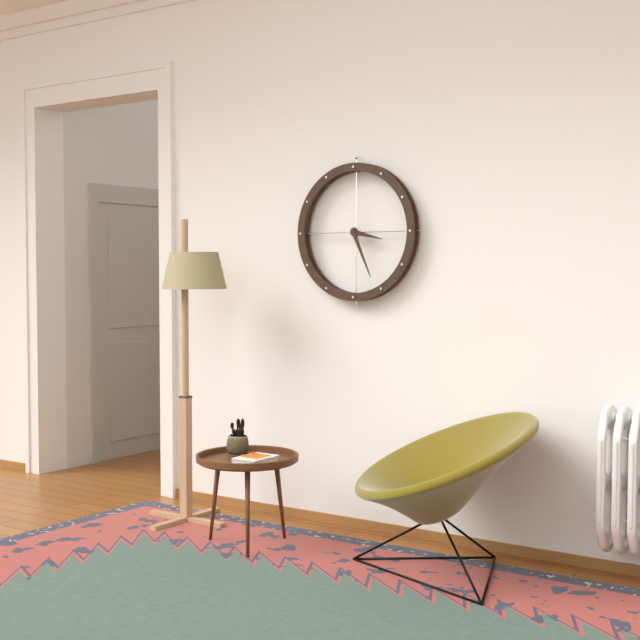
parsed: **3:26**
